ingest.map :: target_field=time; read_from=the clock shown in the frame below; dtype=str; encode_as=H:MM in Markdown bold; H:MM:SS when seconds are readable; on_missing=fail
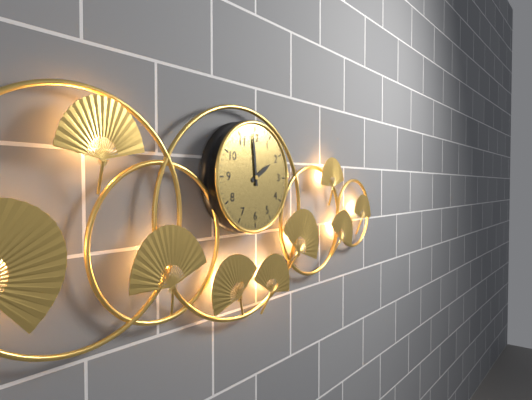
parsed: **1:59**
